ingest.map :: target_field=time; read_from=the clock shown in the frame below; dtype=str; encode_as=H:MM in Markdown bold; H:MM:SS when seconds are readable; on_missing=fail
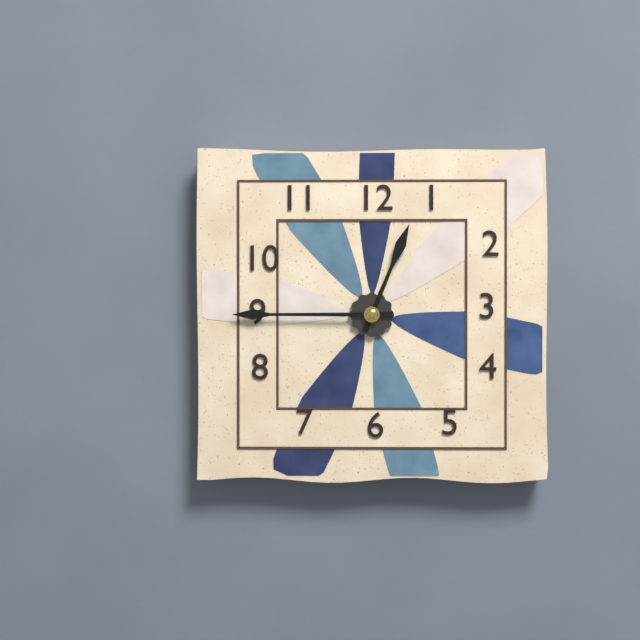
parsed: **12:45**
